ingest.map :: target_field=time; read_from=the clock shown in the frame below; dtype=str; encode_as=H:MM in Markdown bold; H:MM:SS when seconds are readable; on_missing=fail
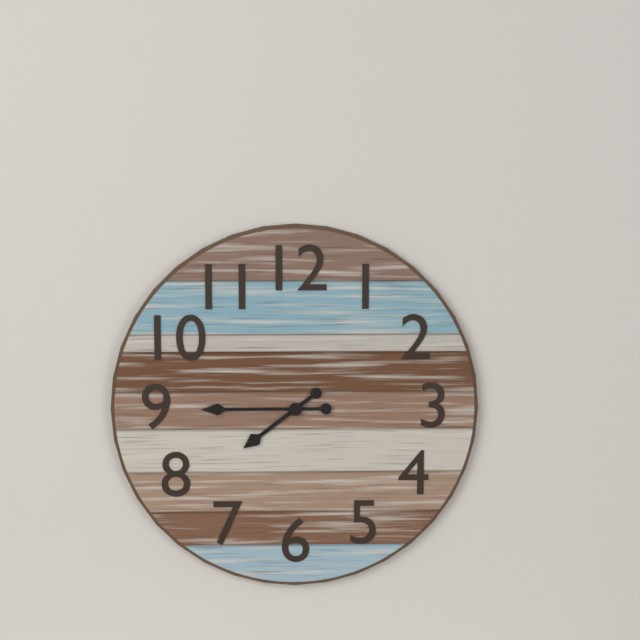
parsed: **7:45**
